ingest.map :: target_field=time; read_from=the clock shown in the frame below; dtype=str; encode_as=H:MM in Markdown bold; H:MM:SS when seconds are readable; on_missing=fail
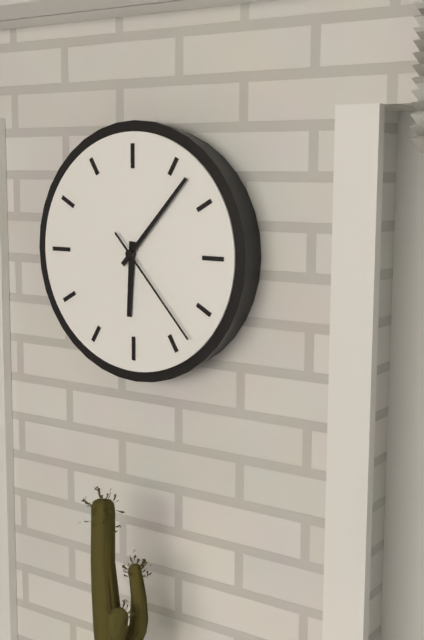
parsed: **6:07:23**
